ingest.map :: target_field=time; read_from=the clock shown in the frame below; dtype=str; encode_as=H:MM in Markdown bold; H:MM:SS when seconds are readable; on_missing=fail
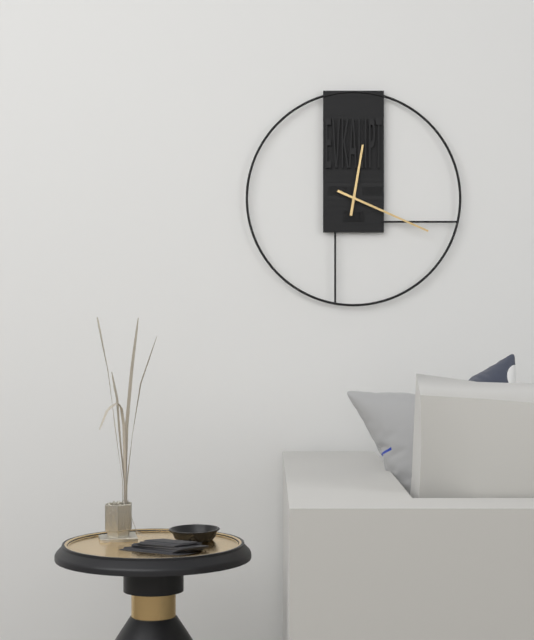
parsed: **12:19**
